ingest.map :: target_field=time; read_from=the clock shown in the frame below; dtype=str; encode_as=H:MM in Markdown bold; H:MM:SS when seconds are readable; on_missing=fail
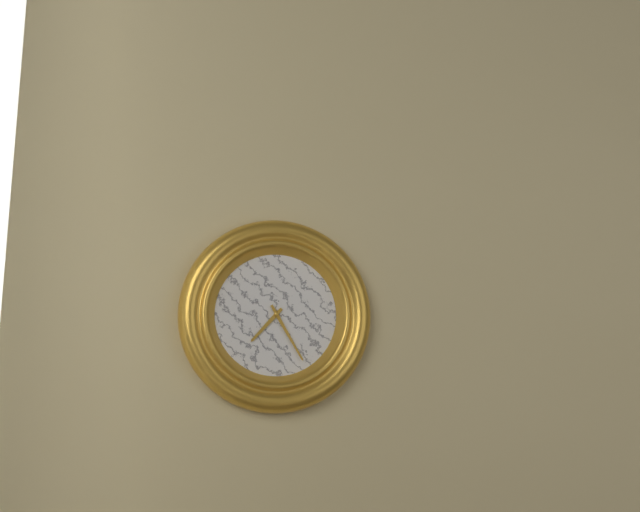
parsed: **7:25**
